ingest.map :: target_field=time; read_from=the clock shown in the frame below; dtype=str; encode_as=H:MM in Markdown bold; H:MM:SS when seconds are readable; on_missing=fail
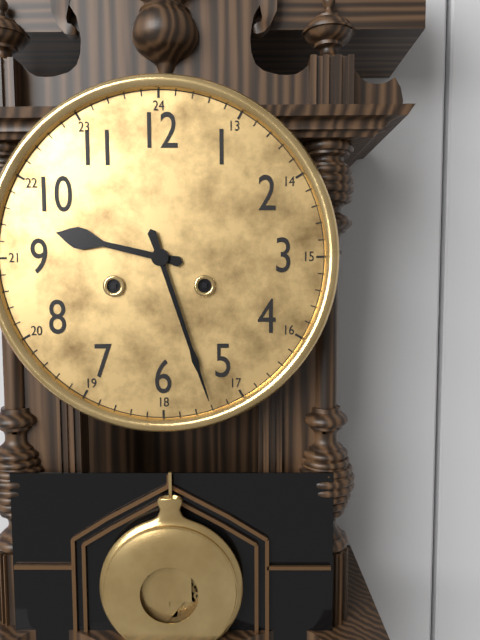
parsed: **9:27**
